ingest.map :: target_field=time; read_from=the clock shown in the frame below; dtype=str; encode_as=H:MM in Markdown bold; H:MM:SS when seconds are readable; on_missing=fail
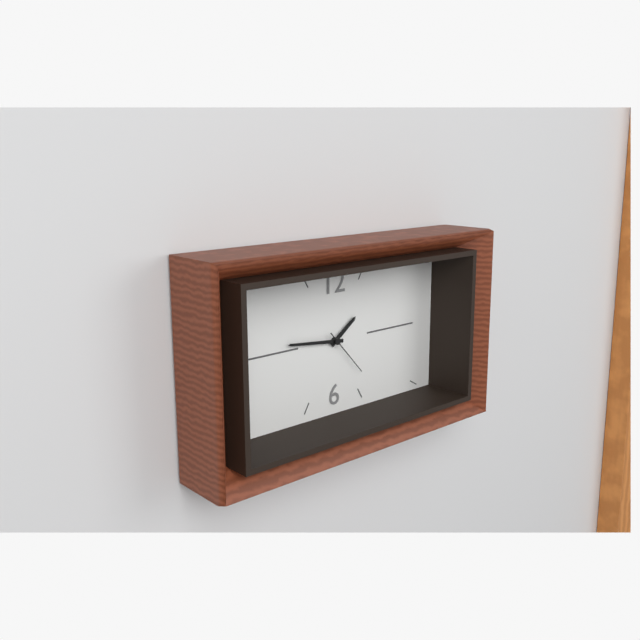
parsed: **1:46**
